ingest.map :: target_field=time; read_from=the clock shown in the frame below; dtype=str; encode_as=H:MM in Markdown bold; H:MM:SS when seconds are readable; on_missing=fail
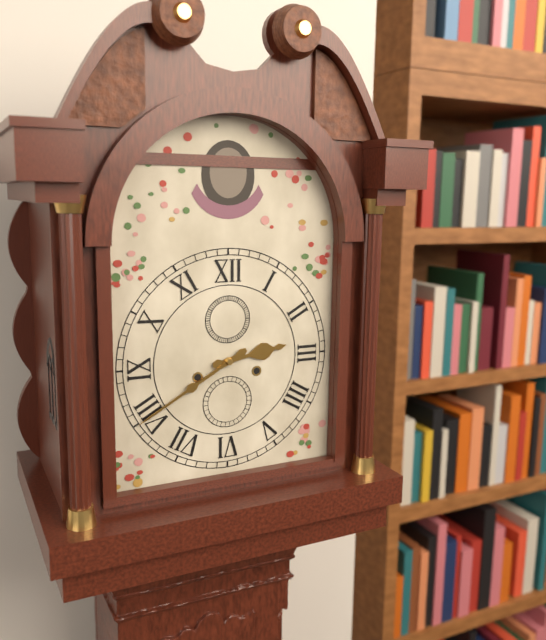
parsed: **2:40**
